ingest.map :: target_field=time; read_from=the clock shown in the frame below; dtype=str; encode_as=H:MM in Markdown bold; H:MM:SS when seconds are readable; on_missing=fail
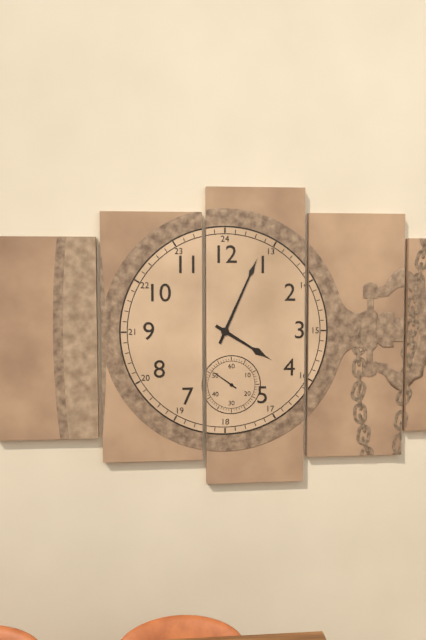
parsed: **4:04**
